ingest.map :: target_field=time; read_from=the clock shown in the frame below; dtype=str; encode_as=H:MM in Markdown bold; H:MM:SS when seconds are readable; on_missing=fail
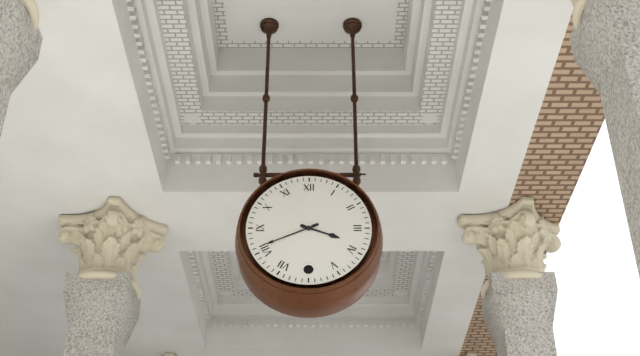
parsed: **3:41**
